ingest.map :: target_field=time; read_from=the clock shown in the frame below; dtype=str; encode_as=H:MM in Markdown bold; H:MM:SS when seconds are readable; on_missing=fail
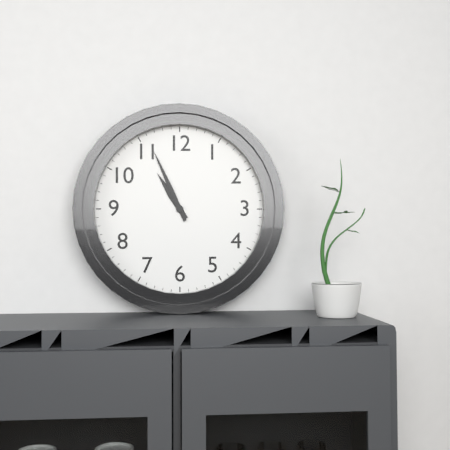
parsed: **10:56**
